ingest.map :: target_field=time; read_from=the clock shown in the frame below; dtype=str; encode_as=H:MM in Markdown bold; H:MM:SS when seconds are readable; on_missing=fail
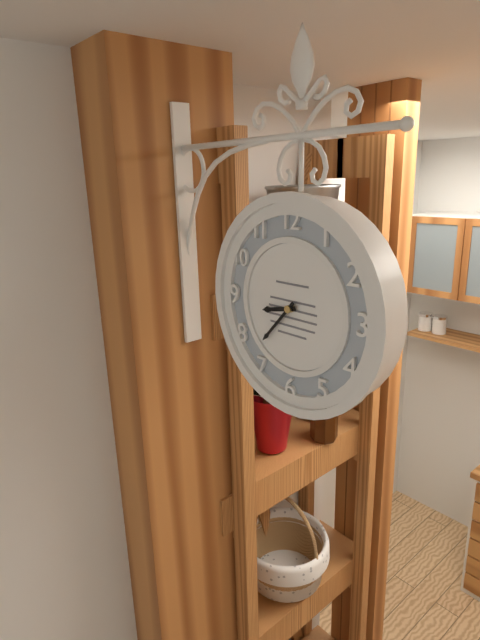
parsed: **8:37**
